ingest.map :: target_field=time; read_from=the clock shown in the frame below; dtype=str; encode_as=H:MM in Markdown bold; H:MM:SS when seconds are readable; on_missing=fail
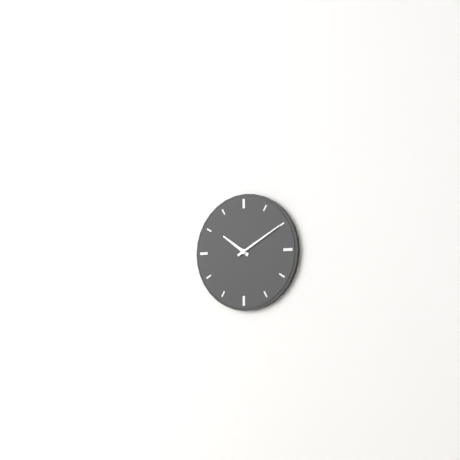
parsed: **10:10**
